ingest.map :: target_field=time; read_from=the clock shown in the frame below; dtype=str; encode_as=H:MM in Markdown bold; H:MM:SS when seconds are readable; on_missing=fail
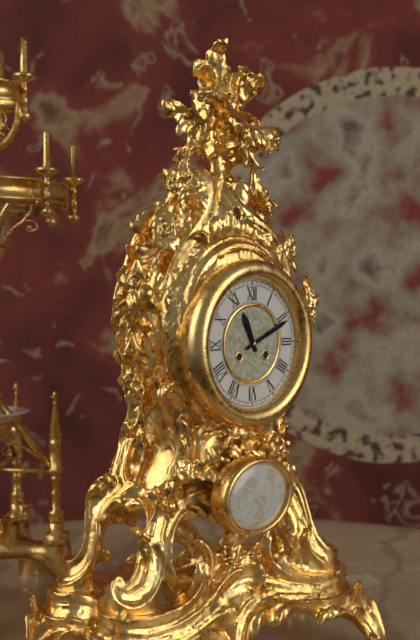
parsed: **11:11**
